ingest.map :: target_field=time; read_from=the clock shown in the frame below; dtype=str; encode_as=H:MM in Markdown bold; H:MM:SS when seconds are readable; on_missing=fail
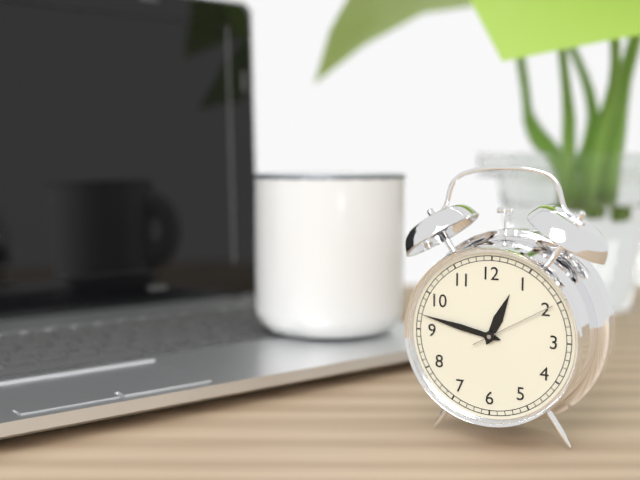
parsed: **12:47:10**
